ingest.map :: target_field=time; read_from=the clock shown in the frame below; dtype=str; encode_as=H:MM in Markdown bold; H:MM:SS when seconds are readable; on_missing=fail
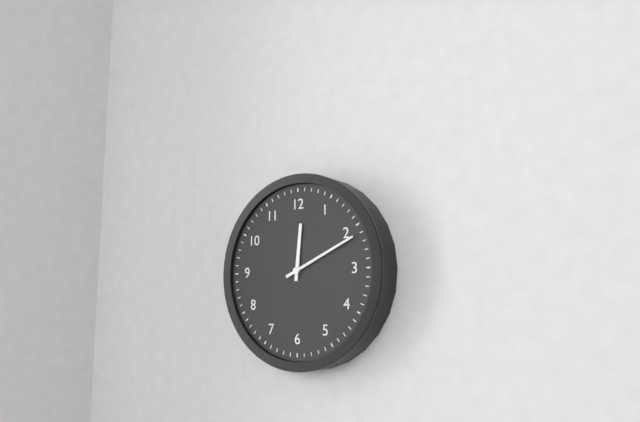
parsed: **12:11**
